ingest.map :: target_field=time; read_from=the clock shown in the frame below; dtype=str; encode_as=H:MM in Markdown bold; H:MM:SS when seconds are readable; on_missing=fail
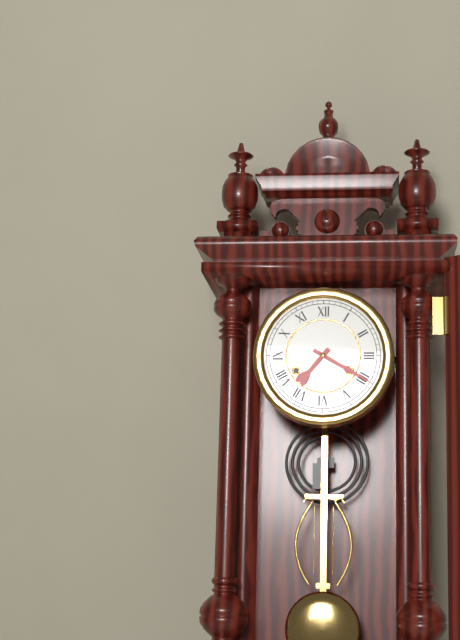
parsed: **7:20**
